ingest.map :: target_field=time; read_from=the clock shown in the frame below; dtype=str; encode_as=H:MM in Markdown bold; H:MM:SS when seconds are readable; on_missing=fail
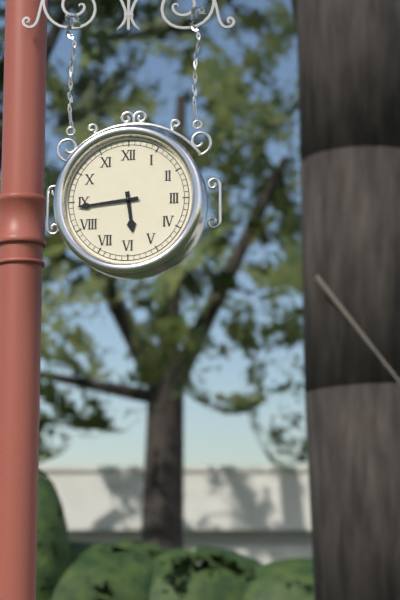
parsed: **5:44**
